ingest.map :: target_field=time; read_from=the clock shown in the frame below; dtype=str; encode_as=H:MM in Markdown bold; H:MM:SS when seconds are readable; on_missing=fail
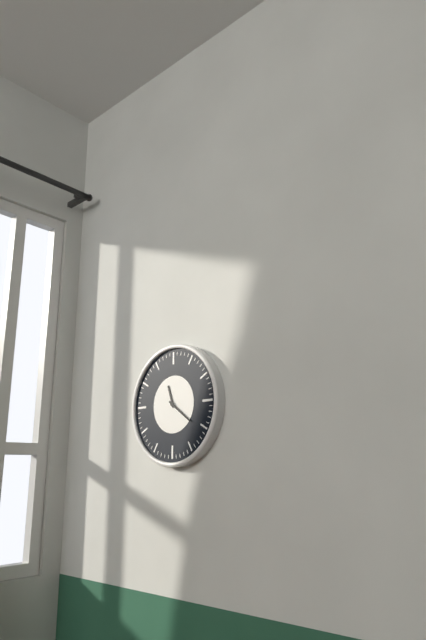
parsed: **11:21**
